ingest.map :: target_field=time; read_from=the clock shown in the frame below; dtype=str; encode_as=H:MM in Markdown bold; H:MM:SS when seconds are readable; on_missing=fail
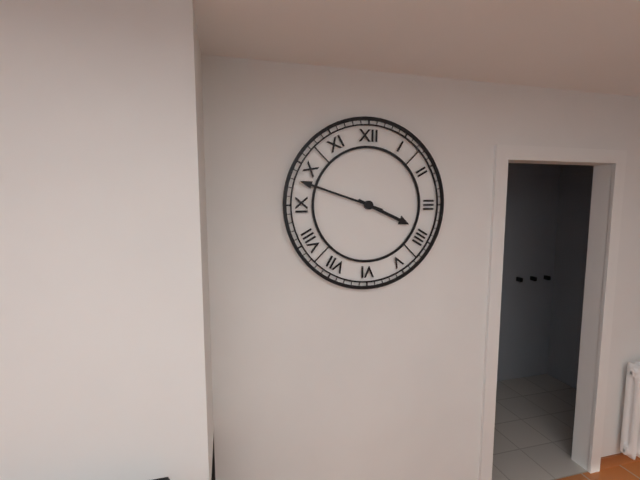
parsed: **3:48**
